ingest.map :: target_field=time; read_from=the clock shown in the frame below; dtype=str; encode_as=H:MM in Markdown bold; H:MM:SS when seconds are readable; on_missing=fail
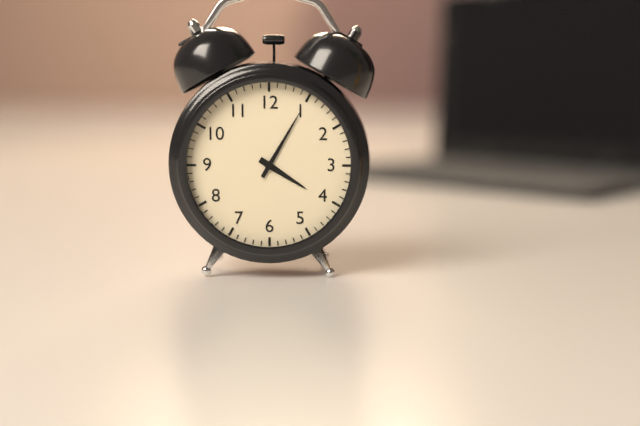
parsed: **4:05**
